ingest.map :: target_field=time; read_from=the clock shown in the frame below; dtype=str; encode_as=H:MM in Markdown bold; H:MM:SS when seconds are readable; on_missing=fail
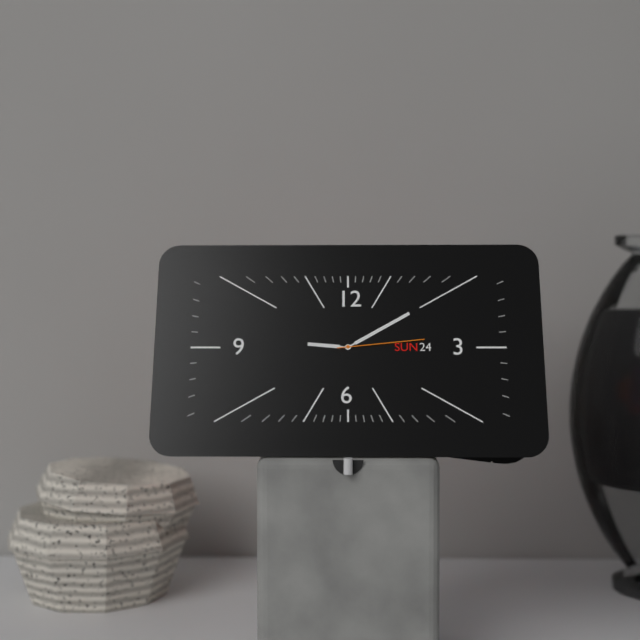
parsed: **9:10:14**
